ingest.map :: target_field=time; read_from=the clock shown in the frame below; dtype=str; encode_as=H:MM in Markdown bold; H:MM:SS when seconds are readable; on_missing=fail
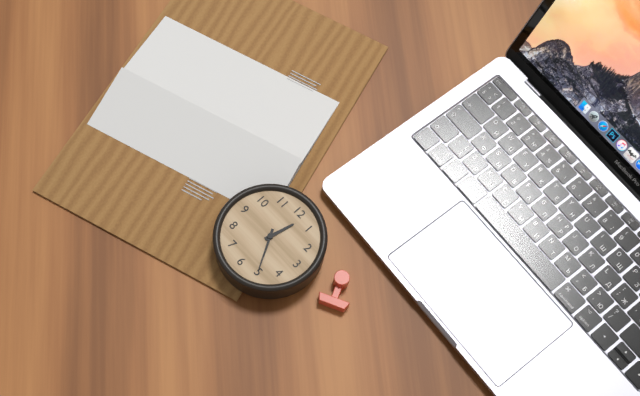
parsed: **12:25**
